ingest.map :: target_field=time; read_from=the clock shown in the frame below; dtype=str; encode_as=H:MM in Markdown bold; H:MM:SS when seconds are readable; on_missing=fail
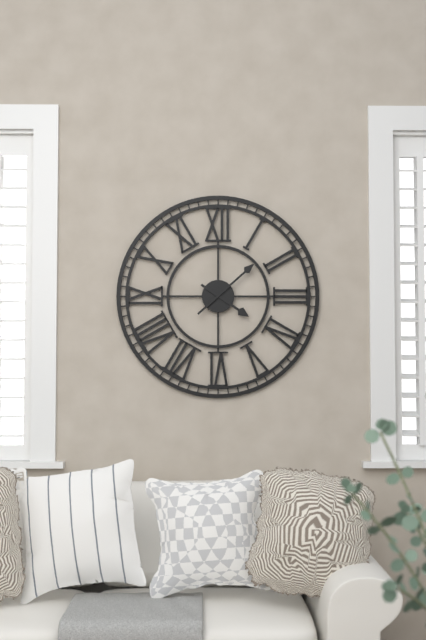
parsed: **4:08**
